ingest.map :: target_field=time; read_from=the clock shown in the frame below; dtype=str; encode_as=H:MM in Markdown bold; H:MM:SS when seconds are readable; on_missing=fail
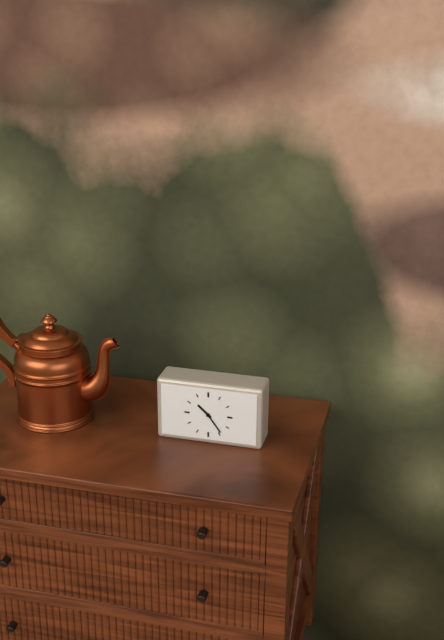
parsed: **10:24**
